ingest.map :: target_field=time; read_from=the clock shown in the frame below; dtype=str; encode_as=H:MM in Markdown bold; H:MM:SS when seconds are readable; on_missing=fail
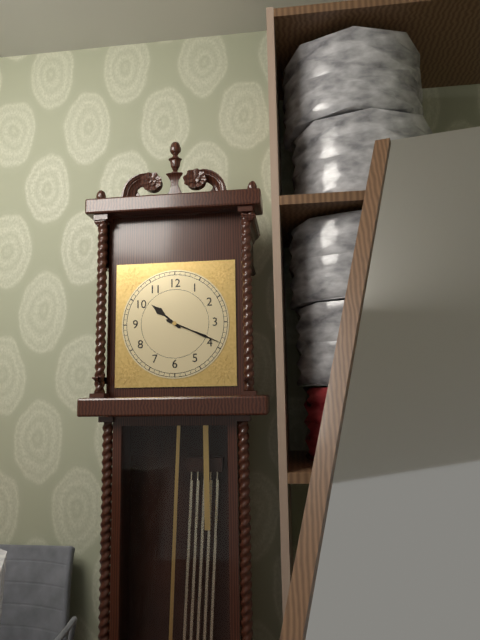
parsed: **10:19**
